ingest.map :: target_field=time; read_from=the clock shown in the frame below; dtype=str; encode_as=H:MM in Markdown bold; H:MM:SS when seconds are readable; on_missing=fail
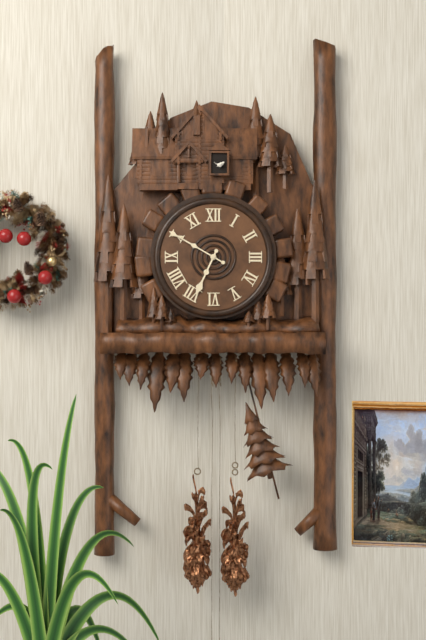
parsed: **6:50**
